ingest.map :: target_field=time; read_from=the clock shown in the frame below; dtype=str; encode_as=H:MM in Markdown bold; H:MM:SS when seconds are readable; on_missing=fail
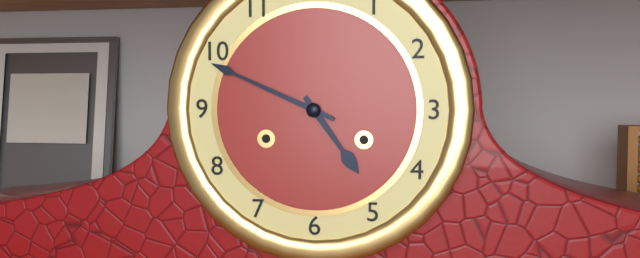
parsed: **4:49**
